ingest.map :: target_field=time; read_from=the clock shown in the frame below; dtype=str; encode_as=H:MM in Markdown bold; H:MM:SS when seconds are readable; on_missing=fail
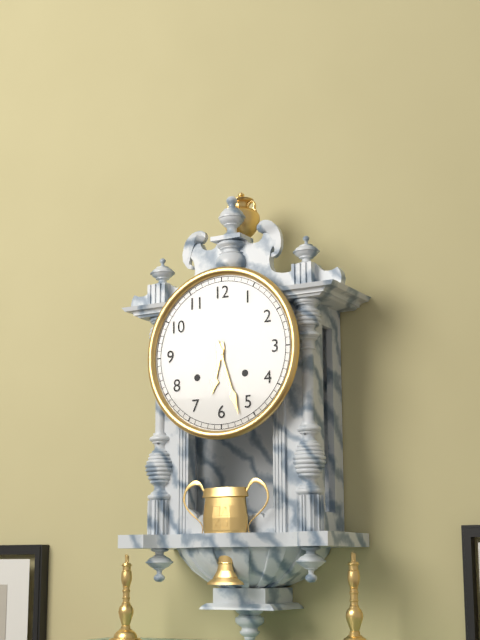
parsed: **6:27**
